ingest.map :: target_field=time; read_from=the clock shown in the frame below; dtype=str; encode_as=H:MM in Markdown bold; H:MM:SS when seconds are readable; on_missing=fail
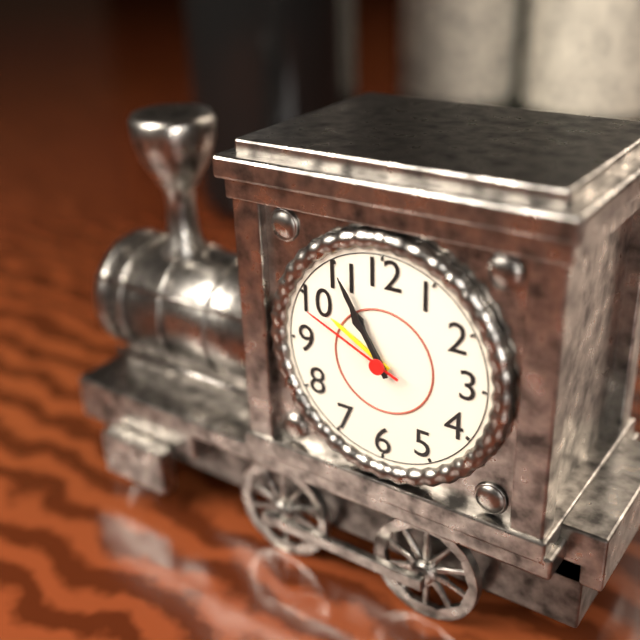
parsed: **10:55:49**
